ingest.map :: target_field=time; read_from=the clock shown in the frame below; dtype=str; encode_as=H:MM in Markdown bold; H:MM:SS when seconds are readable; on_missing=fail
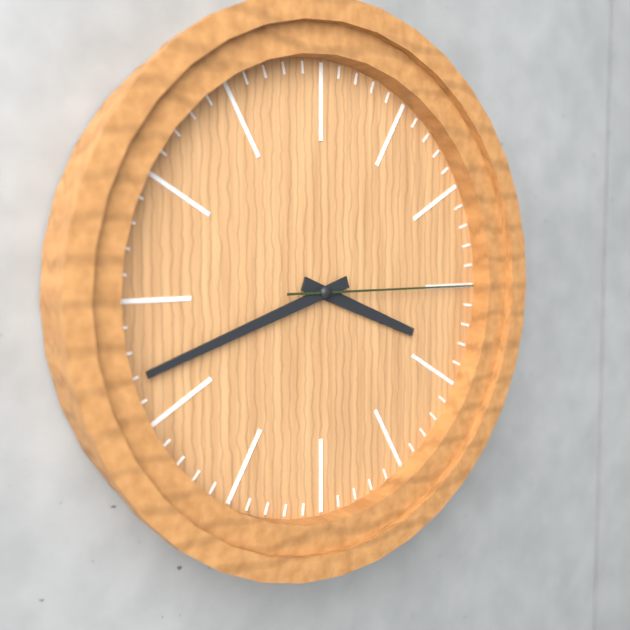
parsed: **3:42:15**
